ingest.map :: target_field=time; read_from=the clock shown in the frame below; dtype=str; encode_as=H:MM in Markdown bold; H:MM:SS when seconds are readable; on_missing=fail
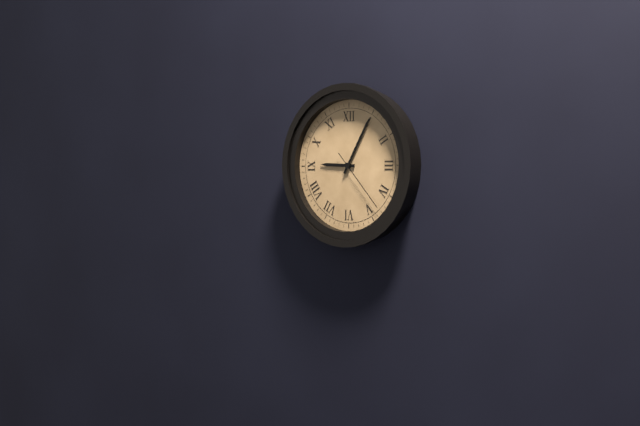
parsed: **9:05:23**
